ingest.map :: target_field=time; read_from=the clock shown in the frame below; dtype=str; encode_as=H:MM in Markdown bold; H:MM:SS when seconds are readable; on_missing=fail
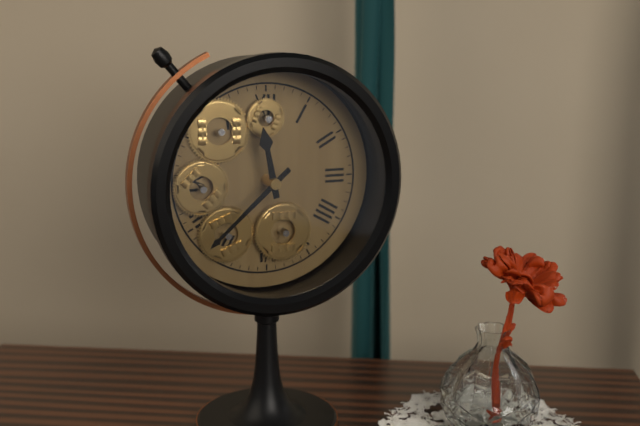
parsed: **11:38**
